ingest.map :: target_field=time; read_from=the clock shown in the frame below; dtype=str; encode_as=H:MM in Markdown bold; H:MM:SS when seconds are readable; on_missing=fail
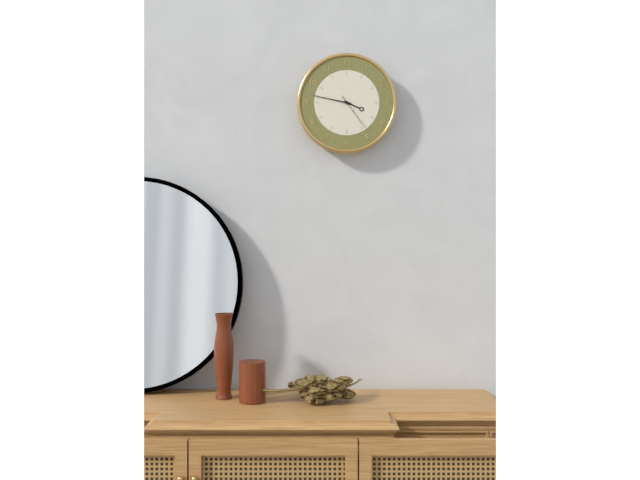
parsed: **3:47**
